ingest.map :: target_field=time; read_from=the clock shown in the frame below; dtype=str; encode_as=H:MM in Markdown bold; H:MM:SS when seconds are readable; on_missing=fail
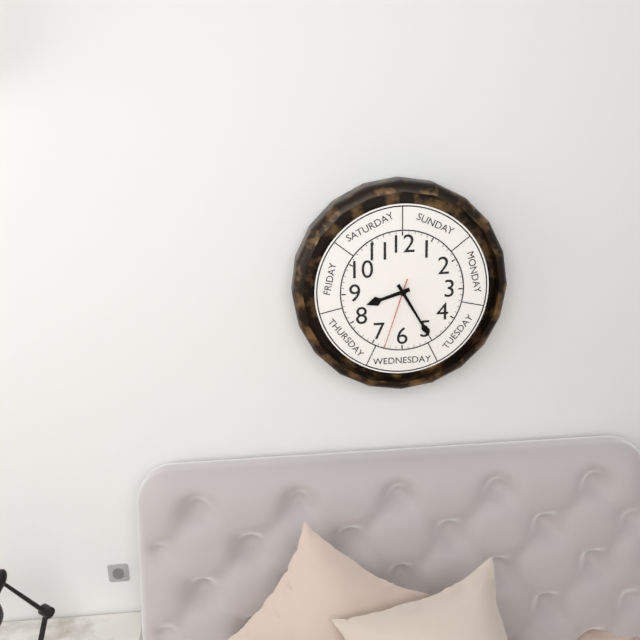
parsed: **8:25:33**
